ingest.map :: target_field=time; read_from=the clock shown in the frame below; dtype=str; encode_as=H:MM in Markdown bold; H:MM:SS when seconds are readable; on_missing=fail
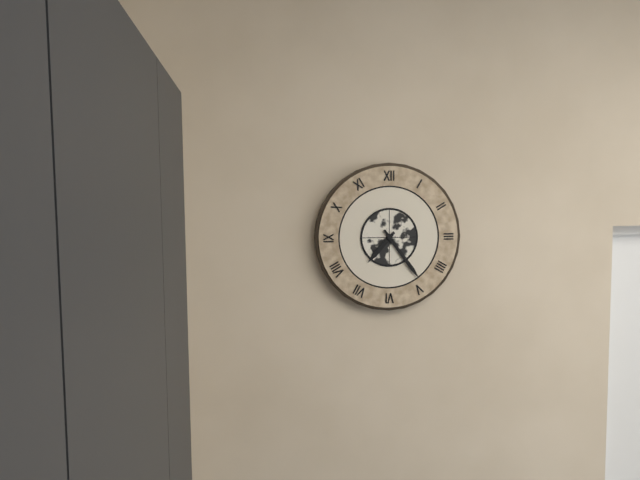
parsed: **7:24**
